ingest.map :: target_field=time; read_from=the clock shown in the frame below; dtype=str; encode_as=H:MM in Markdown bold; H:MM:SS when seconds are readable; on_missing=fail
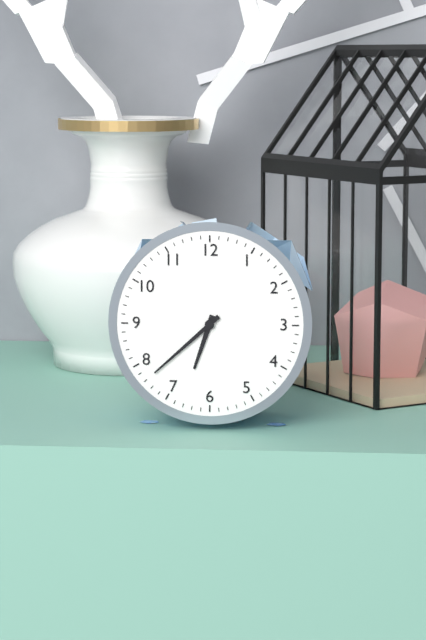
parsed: **6:38**
